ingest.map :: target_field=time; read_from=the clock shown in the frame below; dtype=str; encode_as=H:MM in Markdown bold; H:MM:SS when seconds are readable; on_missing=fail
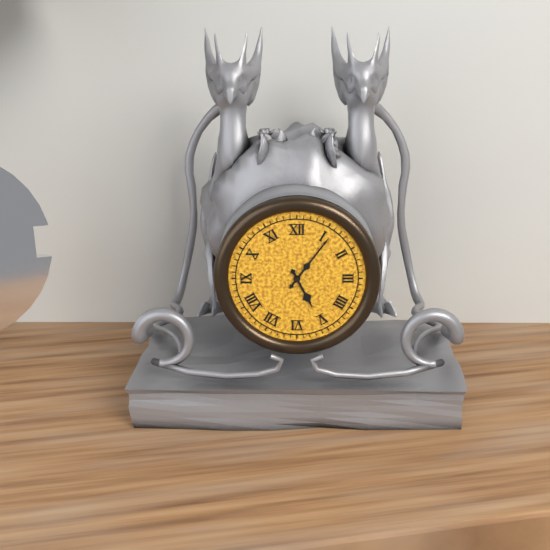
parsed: **5:06**
